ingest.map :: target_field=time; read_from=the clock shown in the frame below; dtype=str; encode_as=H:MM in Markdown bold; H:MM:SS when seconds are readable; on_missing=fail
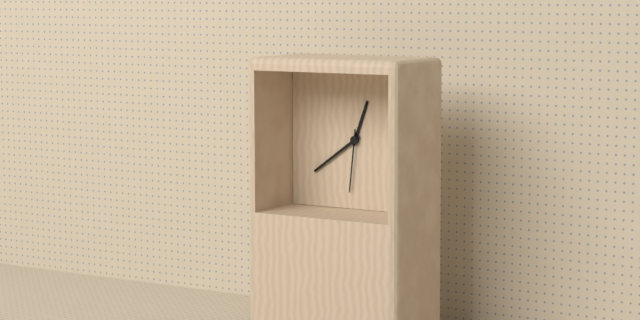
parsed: **12:39:31**
